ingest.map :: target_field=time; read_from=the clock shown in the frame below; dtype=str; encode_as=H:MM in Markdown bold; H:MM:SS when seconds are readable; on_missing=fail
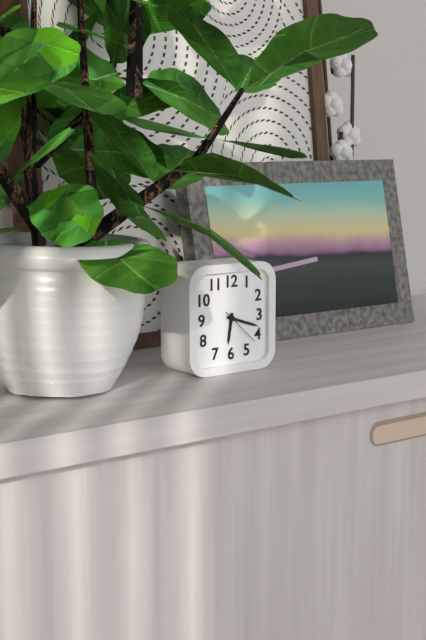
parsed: **6:18**
